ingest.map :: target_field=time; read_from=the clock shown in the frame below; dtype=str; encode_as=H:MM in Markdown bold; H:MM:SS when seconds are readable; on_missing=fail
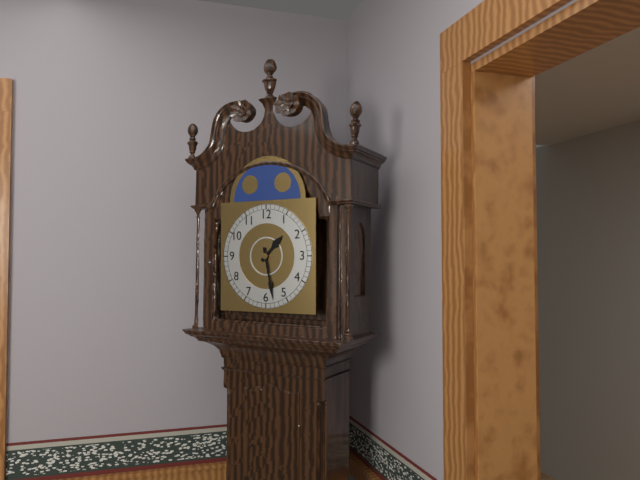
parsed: **1:28**
